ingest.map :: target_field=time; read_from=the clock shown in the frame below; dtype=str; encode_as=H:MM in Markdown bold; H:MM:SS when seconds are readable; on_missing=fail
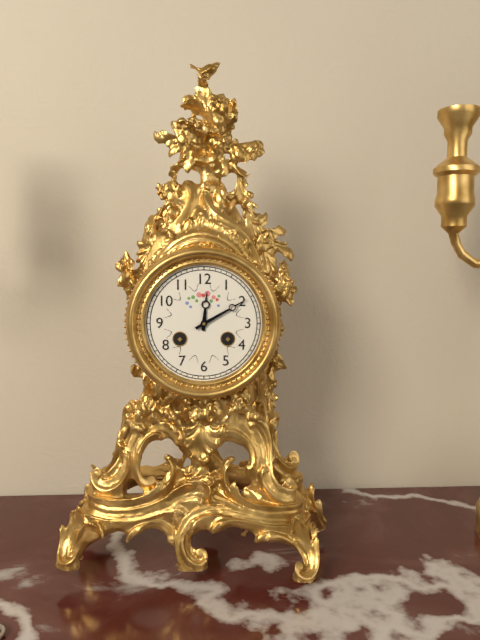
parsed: **12:10**
